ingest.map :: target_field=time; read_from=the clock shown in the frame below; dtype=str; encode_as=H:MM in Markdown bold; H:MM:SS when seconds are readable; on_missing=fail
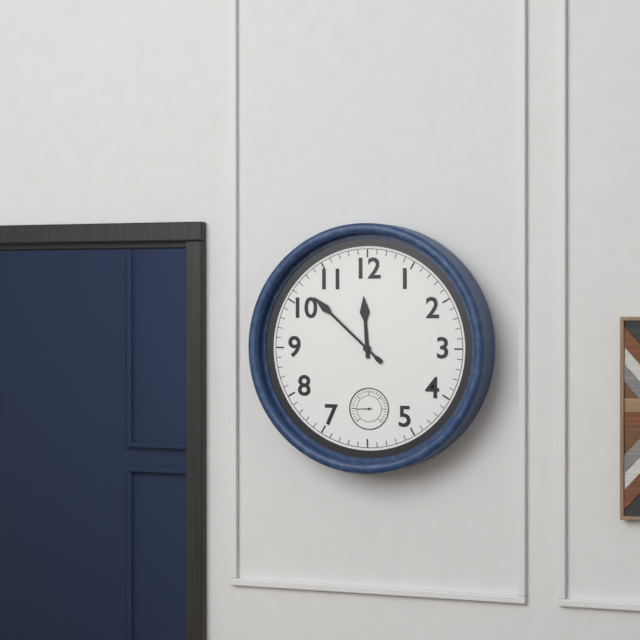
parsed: **11:52**
